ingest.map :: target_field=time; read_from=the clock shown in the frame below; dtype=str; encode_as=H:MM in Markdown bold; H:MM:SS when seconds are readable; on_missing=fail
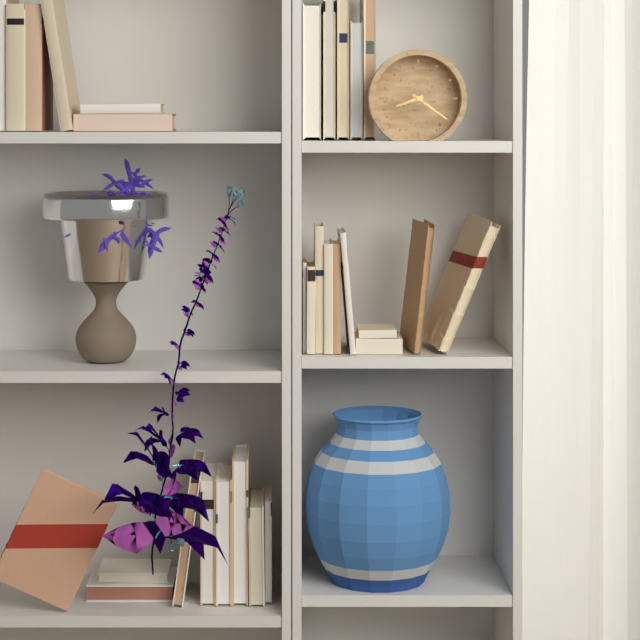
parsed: **8:21**
